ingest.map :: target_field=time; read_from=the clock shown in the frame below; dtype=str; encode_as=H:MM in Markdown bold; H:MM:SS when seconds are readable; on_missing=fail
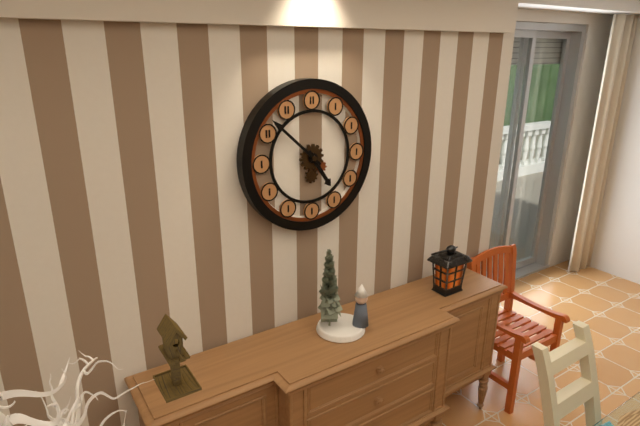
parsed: **4:52**
